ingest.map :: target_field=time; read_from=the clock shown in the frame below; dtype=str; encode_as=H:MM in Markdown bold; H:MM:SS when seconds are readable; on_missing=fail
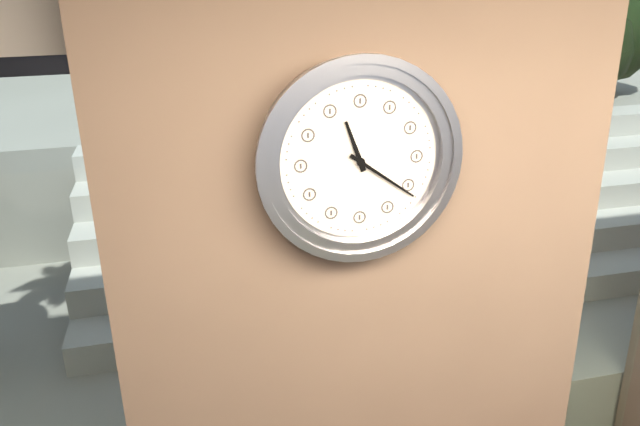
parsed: **11:21**
